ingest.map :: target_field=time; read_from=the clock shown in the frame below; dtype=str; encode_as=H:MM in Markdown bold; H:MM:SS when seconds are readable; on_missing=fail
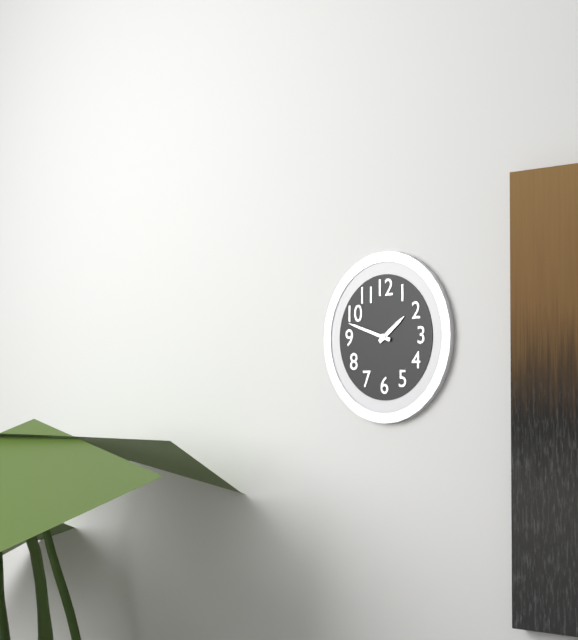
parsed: **1:48**
